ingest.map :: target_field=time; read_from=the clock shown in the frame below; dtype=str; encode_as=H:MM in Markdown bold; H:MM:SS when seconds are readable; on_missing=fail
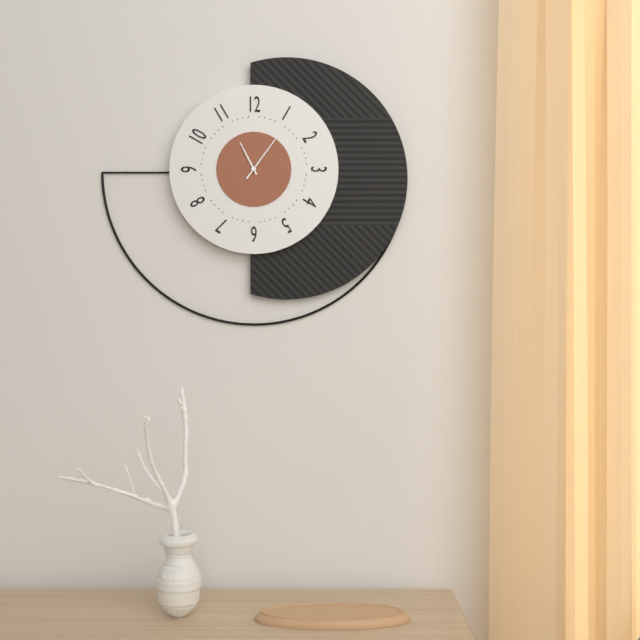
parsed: **11:06**
